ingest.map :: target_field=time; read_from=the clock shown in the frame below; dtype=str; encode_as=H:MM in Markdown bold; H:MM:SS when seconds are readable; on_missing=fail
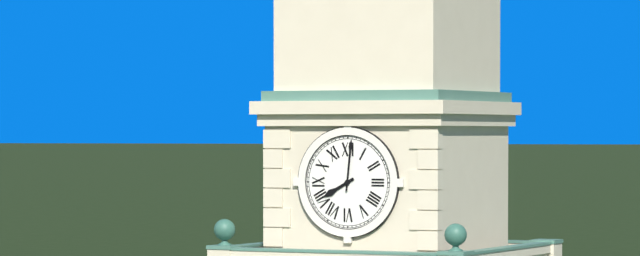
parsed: **8:01**
